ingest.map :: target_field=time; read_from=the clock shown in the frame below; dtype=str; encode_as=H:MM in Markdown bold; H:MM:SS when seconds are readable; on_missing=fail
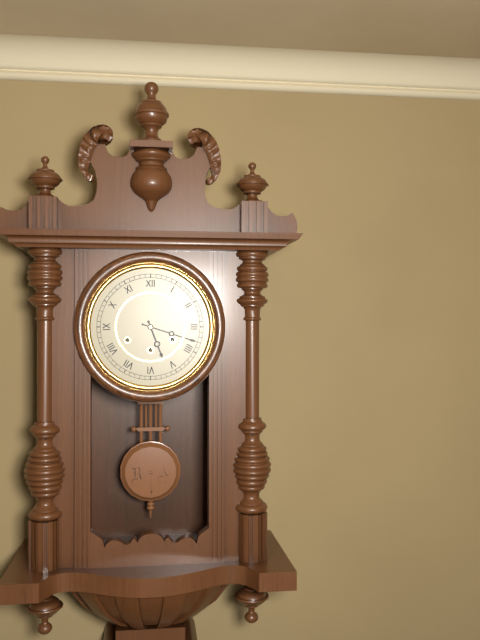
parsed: **5:18**
